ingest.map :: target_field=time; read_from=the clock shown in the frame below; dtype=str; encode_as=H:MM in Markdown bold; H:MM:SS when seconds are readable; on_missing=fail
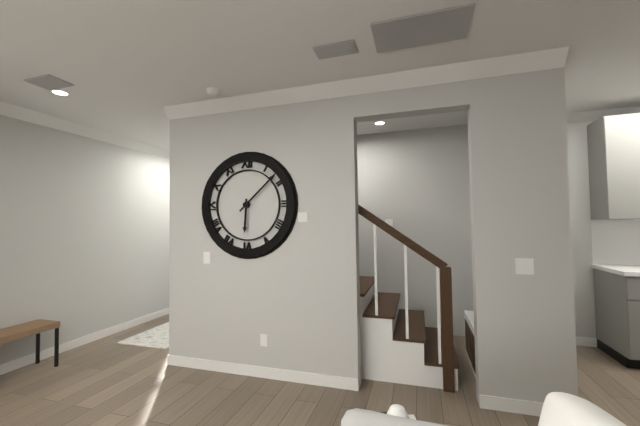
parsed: **6:08**
